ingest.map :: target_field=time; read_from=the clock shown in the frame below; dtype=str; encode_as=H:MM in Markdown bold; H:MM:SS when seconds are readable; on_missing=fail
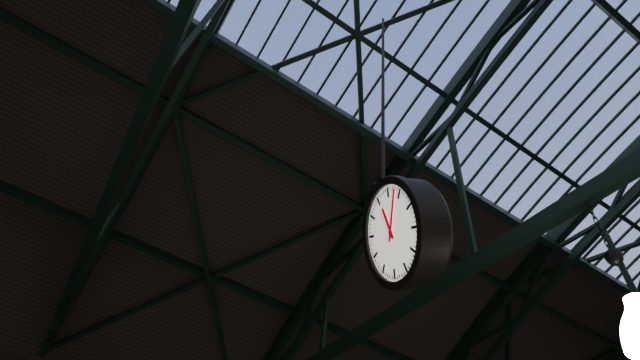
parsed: **12:08**
